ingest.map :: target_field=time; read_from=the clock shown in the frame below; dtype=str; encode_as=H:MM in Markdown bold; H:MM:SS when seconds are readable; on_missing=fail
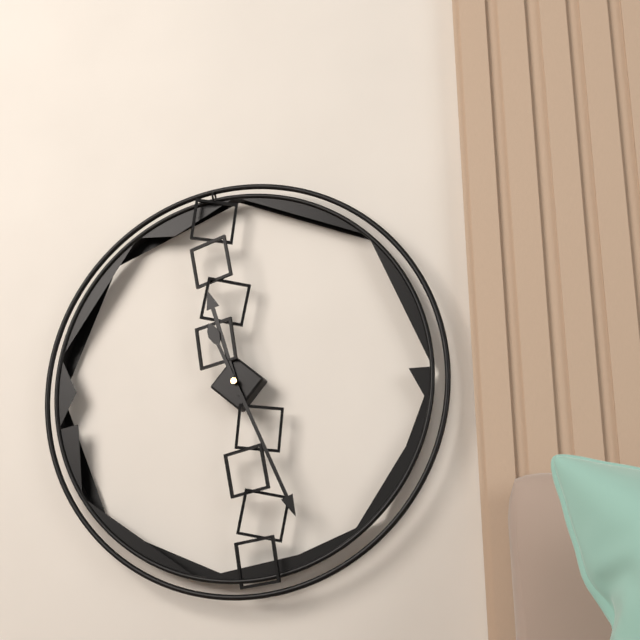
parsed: **11:26**
